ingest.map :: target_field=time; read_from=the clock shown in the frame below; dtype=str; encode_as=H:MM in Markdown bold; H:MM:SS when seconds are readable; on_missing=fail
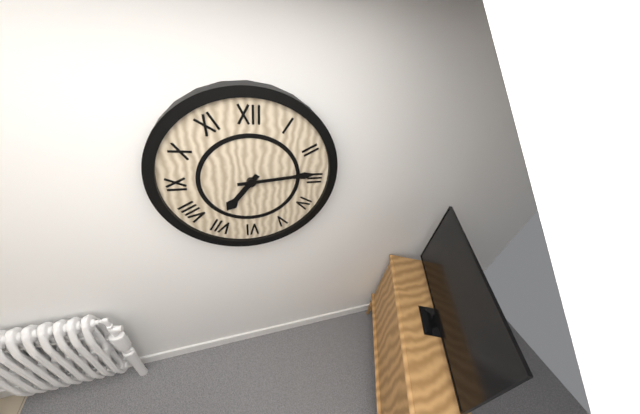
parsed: **7:14**
